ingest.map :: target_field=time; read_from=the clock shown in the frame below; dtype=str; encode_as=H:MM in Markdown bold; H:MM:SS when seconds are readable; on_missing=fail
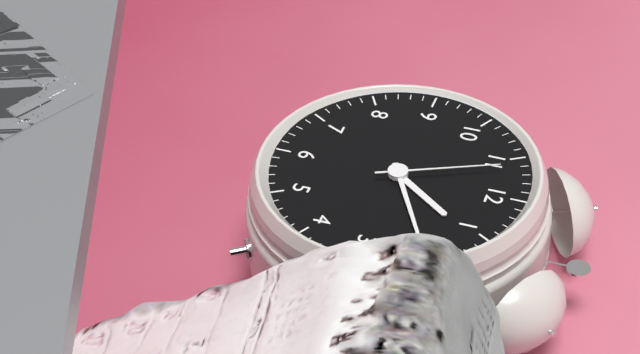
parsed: **1:10:56**
